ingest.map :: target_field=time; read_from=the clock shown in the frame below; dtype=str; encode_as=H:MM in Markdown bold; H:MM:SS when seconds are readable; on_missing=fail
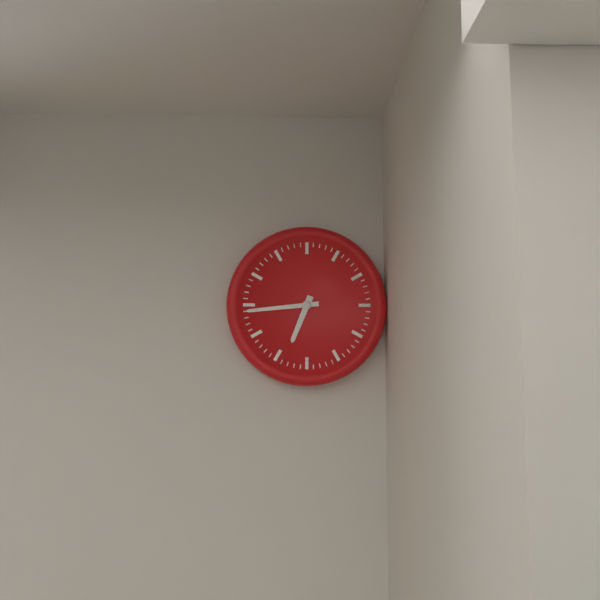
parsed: **6:44**
